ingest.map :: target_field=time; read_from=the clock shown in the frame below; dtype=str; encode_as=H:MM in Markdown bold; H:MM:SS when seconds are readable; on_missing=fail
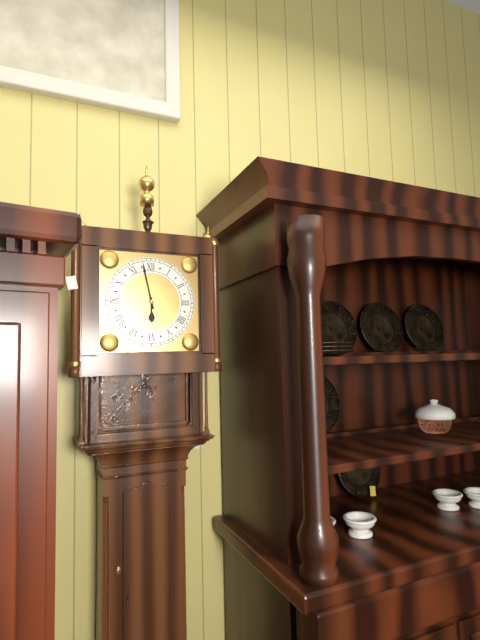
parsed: **5:58**
